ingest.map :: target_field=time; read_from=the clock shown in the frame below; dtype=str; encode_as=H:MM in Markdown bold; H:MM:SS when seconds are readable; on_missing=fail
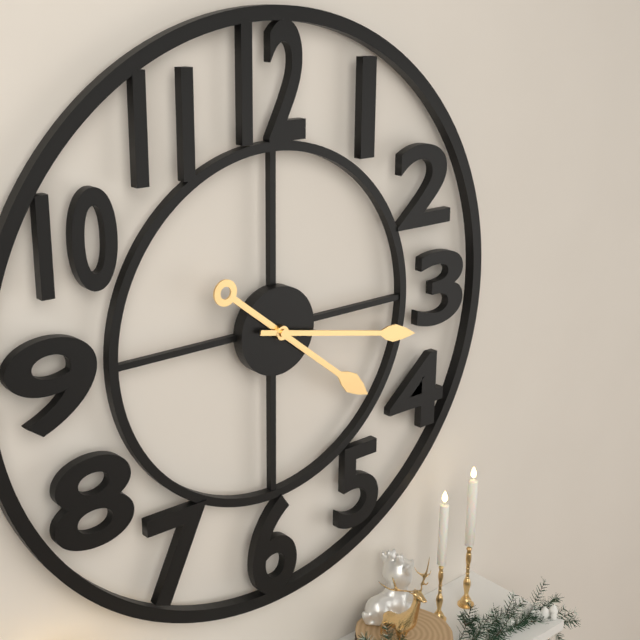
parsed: **4:17**
